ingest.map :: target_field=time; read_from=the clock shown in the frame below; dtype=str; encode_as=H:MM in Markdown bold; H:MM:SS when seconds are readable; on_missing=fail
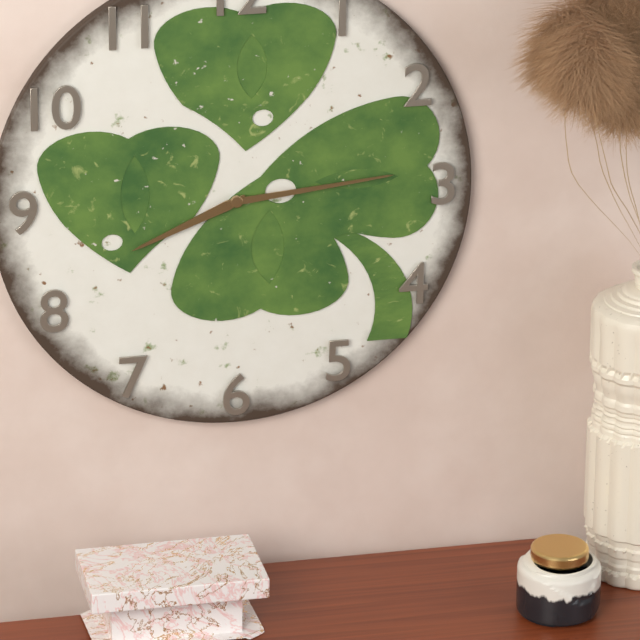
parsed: **8:14**
